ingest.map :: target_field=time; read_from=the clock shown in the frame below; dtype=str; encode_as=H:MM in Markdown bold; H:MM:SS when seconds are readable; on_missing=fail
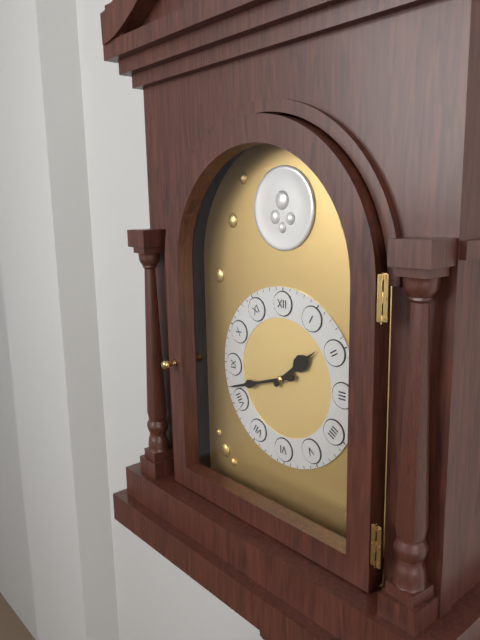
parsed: **1:42**
